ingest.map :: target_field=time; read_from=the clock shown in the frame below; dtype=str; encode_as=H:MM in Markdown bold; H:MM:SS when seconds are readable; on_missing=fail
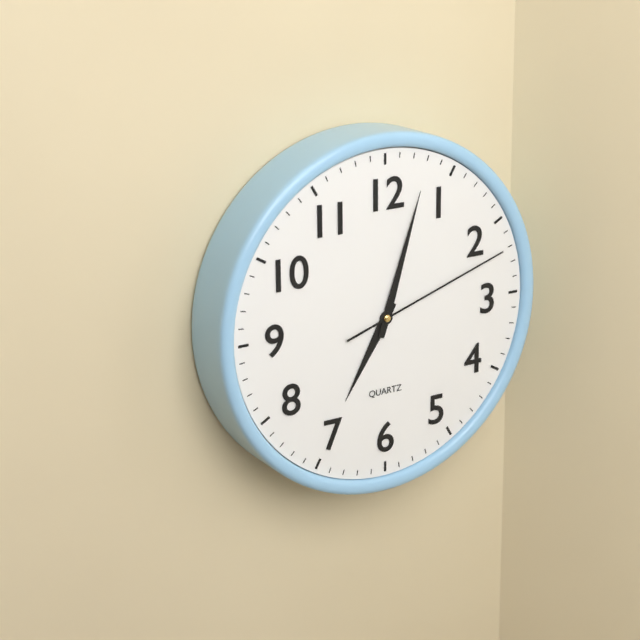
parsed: **7:03:12**
